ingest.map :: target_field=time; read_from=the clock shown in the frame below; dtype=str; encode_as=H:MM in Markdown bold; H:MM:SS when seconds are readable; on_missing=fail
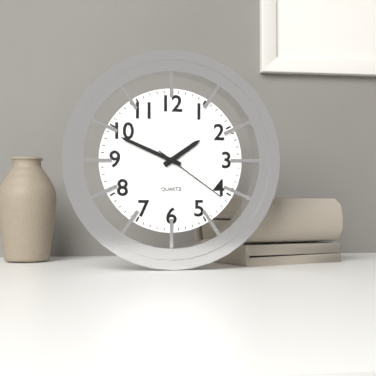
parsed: **1:49:21**
